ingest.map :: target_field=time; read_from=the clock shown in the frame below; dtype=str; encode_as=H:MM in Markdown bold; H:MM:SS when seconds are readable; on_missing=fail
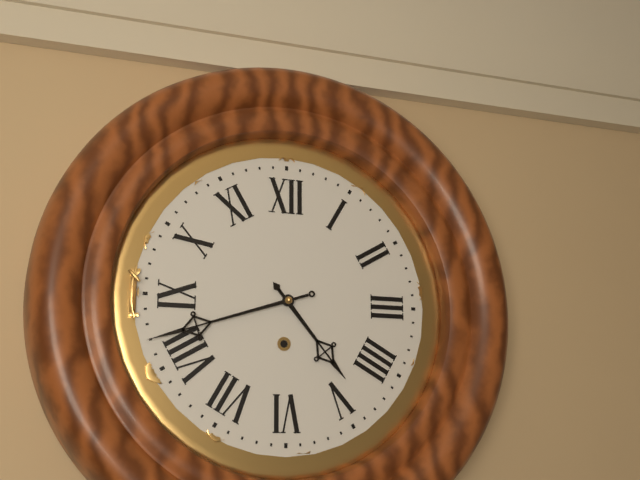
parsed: **4:42**
